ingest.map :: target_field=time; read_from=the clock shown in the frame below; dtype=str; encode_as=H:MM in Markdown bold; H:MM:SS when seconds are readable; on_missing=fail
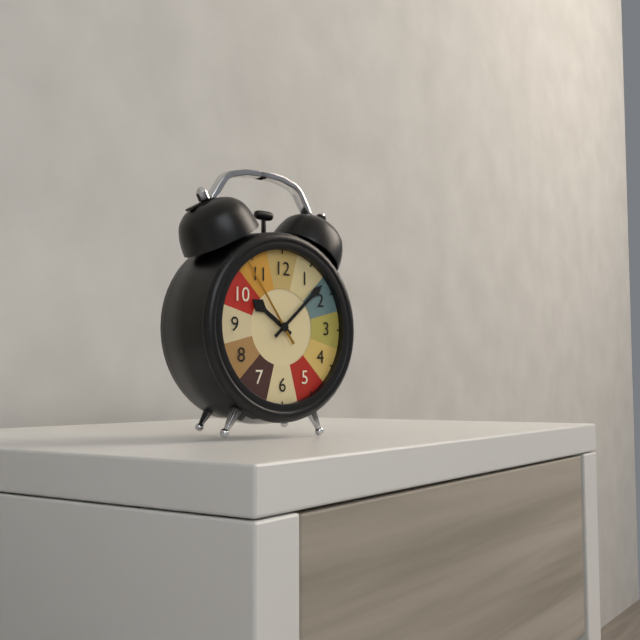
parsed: **10:08:54**
